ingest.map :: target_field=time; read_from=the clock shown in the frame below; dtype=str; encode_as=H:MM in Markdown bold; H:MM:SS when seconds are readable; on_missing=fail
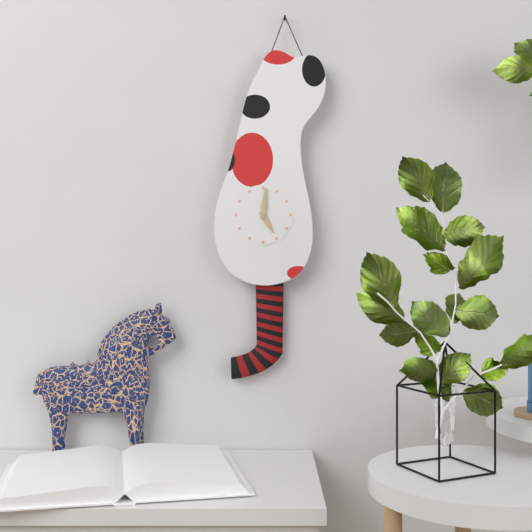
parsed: **5:01**
